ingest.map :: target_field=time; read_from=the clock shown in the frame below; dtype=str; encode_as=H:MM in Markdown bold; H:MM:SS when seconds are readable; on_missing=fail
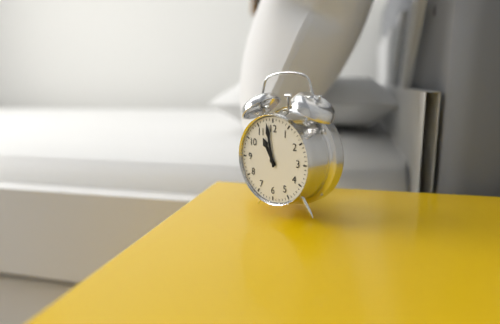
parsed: **10:58**
